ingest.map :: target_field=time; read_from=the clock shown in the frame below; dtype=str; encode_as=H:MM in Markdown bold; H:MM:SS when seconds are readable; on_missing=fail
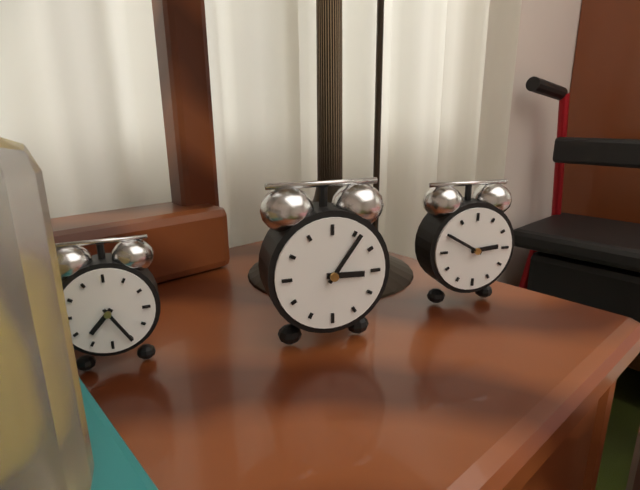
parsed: **3:06**
